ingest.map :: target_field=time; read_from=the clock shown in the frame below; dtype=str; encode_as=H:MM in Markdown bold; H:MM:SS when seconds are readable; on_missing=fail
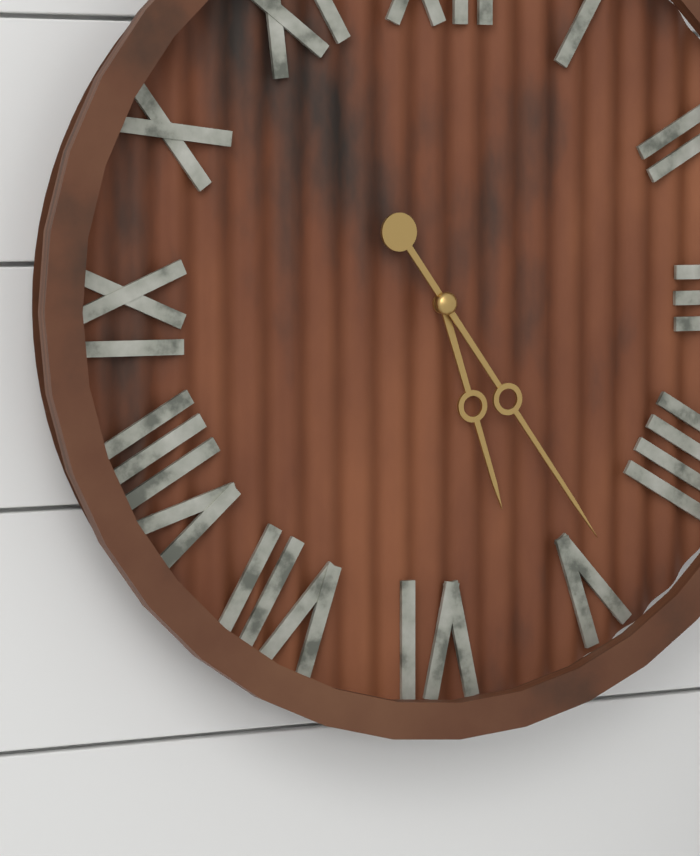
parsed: **5:24**
